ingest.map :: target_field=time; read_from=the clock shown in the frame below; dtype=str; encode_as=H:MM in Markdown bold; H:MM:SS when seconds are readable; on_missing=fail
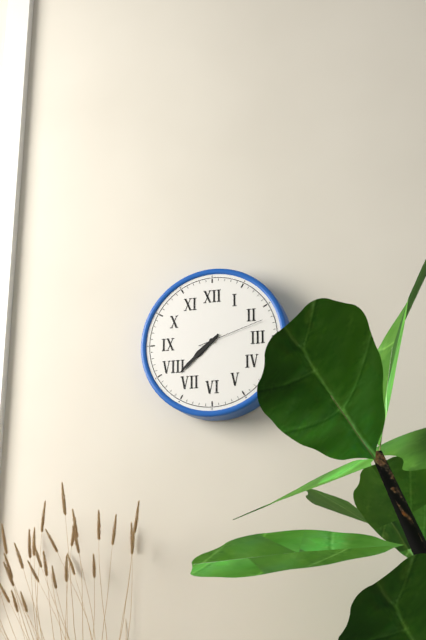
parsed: **7:38:12**
